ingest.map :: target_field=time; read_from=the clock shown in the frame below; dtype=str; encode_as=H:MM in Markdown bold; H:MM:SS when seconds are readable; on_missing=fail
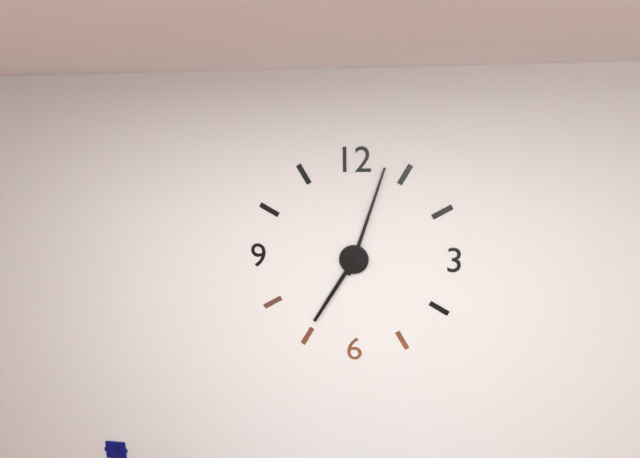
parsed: **7:03**
